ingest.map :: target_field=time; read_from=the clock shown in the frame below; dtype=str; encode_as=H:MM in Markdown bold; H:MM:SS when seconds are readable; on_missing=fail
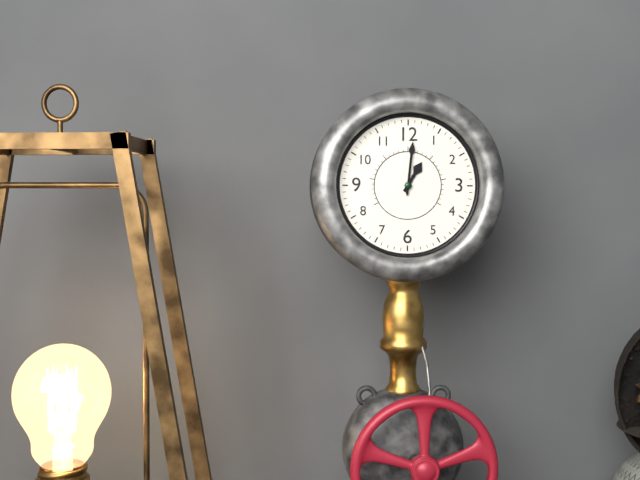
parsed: **1:01**
